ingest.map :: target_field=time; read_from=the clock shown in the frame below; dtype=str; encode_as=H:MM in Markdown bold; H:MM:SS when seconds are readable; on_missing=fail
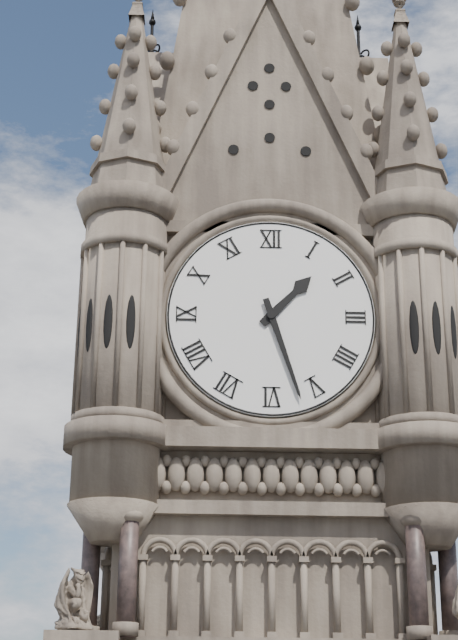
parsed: **1:27**
